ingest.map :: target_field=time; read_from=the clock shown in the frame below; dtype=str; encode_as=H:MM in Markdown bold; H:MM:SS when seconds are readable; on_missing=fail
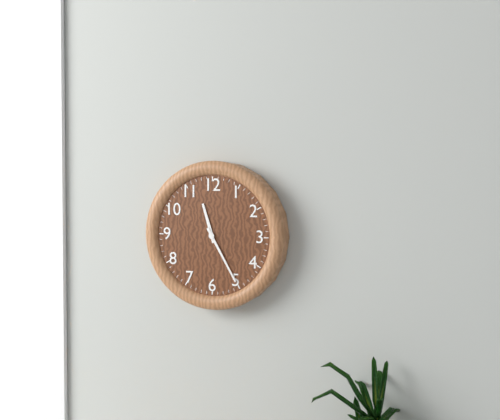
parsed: **11:25**
